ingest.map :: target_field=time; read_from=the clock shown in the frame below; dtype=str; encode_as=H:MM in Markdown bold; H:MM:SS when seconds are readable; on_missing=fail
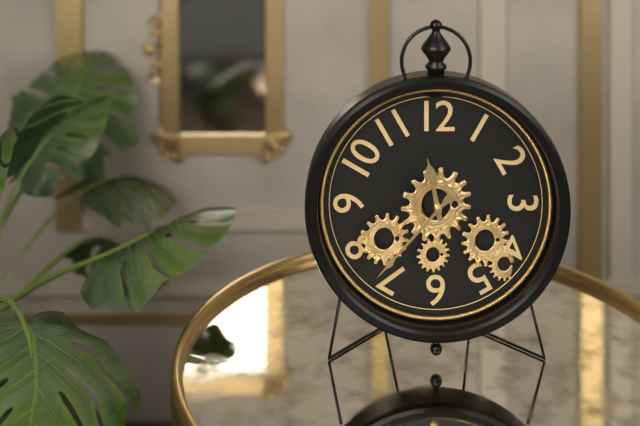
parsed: **11:37**
